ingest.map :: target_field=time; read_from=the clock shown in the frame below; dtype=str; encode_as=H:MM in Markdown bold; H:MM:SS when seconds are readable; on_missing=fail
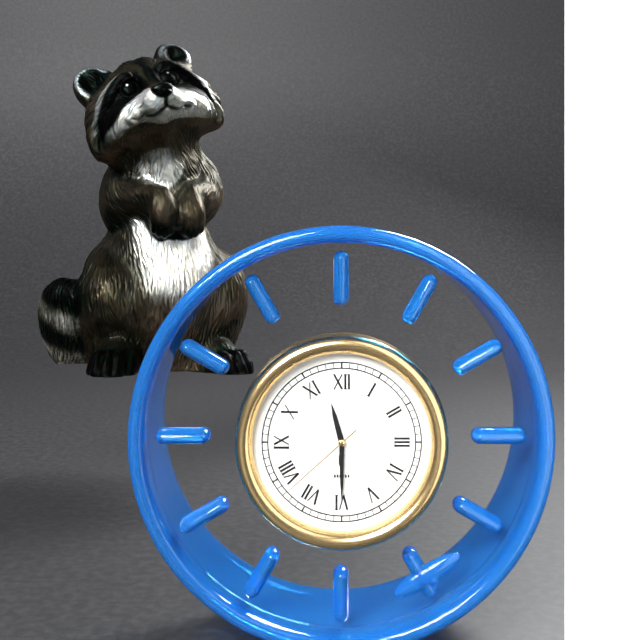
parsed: **11:30:38**
